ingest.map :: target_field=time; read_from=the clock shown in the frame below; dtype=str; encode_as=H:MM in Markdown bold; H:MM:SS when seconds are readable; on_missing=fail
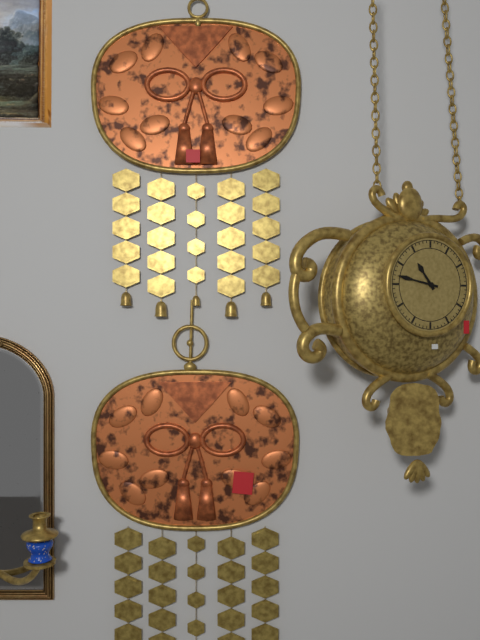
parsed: **10:47**
